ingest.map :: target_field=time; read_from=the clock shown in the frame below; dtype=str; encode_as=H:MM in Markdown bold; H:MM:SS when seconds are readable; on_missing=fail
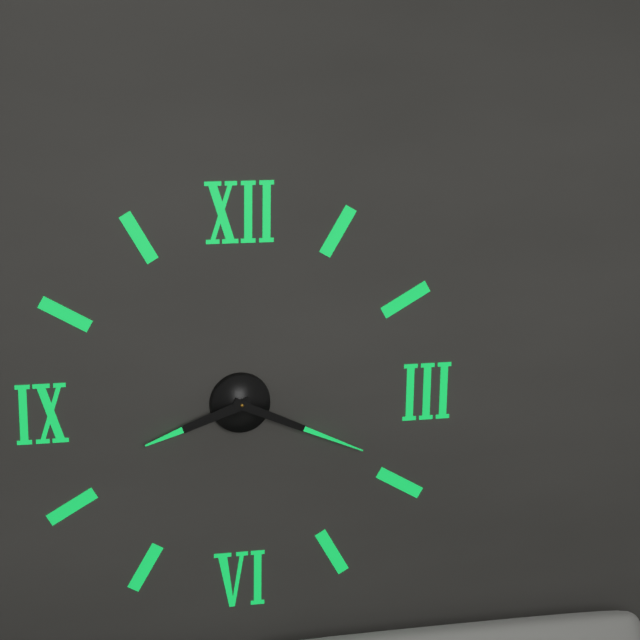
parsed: **8:19**
